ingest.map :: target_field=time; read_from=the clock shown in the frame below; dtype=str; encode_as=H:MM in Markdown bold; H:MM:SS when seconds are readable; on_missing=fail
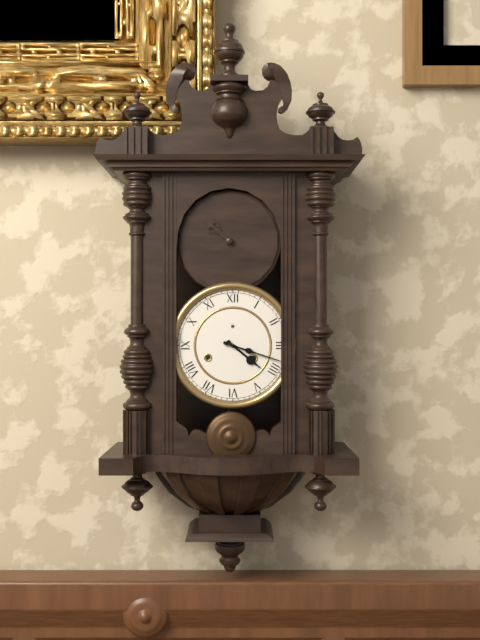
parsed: **4:18**
